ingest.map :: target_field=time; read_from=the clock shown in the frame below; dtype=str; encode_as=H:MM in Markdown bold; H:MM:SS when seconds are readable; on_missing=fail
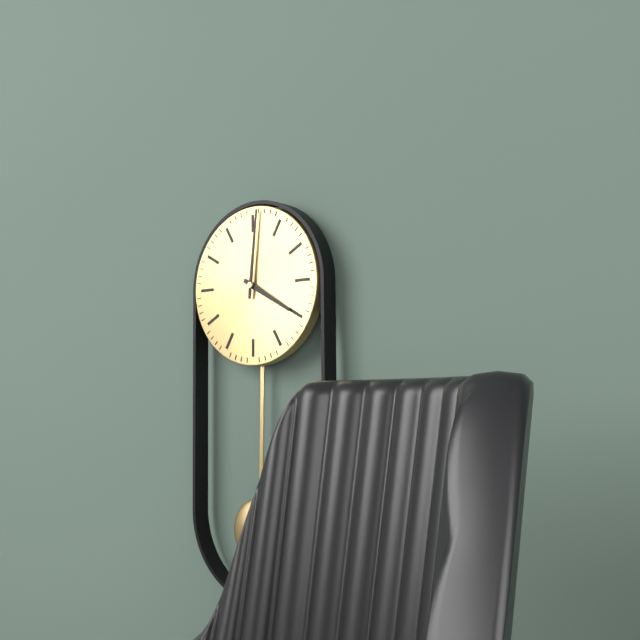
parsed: **4:01**
